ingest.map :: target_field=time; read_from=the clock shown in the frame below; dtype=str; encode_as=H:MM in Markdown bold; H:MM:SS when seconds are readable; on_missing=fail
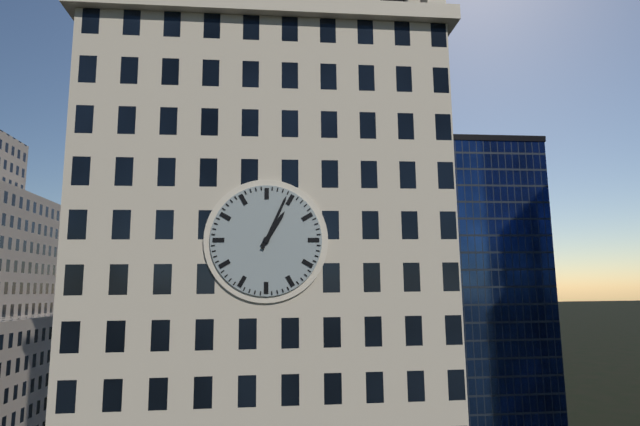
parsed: **1:04**
